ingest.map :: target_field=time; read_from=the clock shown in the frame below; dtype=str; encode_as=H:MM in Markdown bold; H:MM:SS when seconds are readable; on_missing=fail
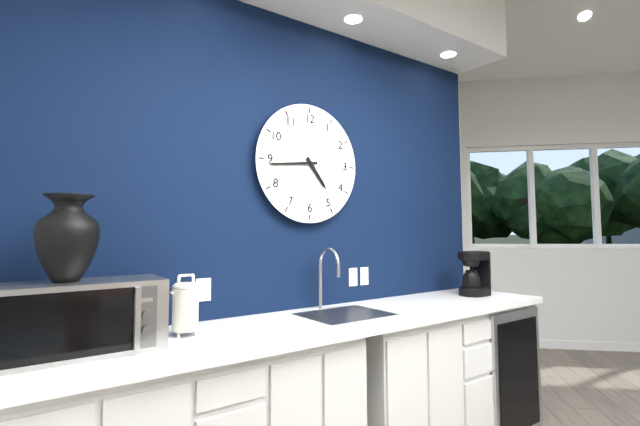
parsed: **4:44**
